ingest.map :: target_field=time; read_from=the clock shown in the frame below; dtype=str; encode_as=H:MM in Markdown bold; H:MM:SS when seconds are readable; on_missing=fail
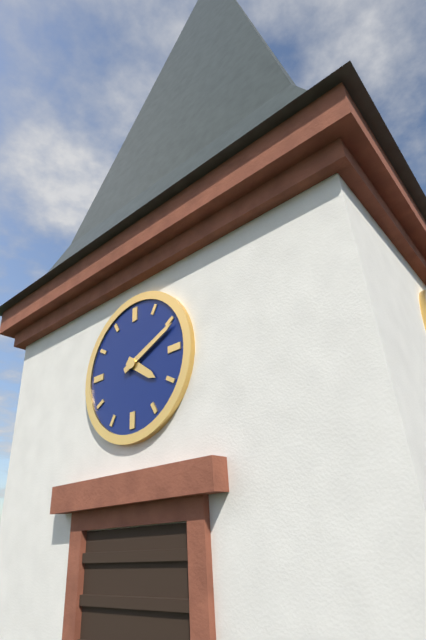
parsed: **4:11**
